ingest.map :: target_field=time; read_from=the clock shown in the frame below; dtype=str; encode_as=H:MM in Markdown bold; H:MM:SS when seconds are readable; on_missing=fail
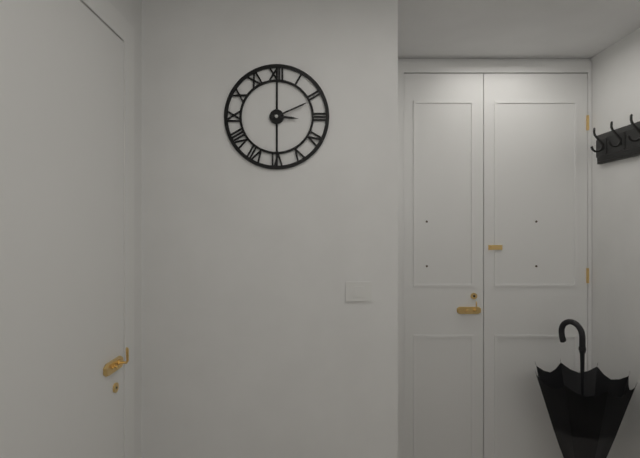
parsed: **3:11**
